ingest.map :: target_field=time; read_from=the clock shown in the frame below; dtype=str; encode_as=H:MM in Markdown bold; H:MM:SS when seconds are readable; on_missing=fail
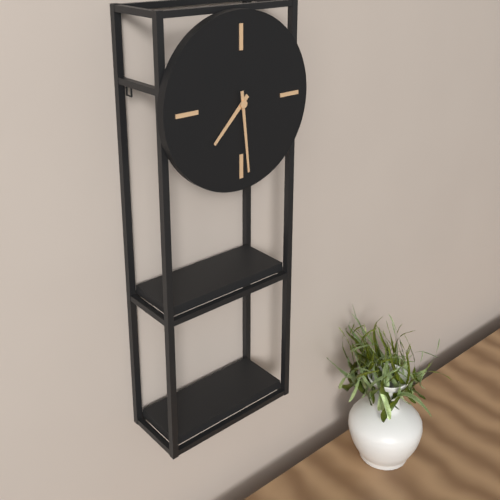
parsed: **7:29**
